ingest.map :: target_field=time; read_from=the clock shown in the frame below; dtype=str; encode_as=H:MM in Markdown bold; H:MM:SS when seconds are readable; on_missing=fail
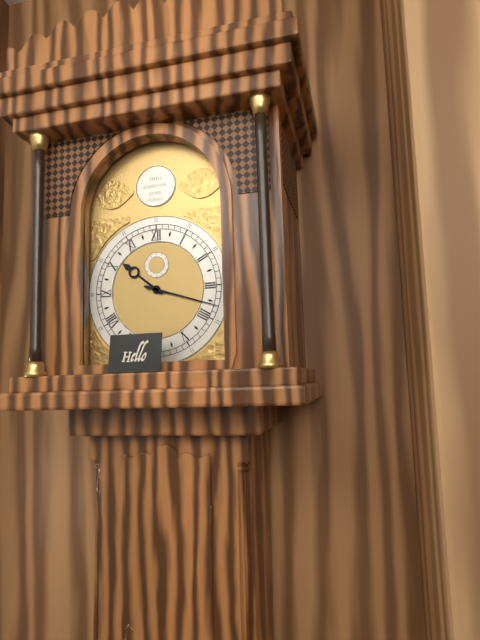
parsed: **10:18**
